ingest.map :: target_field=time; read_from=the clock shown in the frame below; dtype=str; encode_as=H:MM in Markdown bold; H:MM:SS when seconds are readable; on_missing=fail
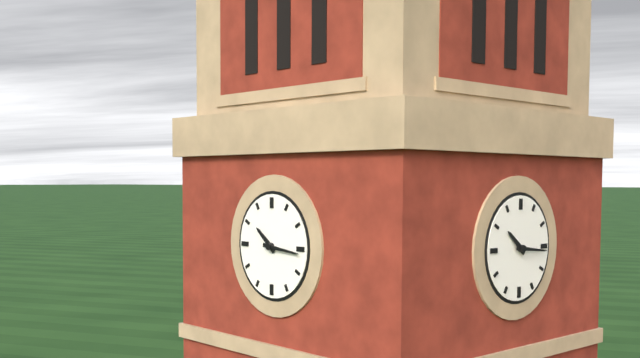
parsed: **10:16**
